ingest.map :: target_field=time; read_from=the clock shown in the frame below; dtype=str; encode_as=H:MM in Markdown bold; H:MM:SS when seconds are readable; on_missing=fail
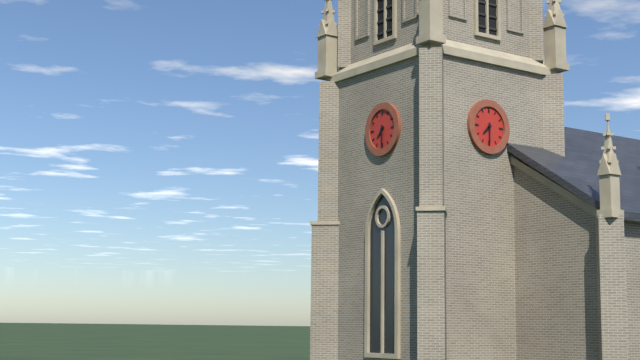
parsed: **7:30**
